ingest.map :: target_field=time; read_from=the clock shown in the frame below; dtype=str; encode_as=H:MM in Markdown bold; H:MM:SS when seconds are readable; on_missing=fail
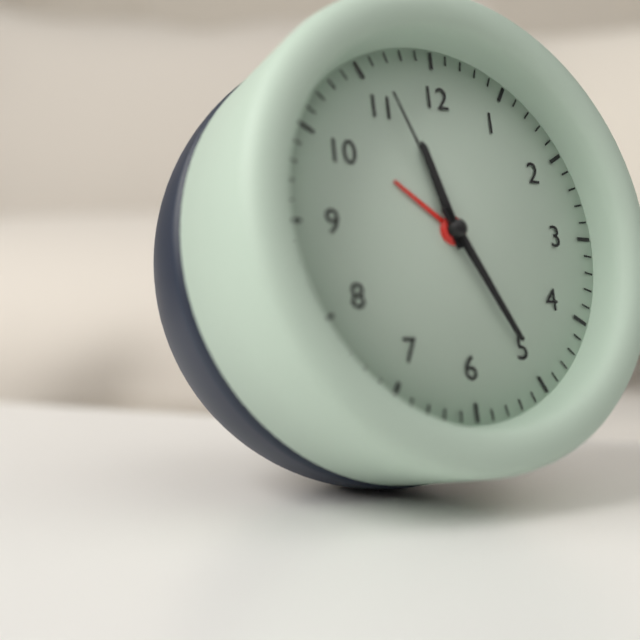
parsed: **11:25:56**
